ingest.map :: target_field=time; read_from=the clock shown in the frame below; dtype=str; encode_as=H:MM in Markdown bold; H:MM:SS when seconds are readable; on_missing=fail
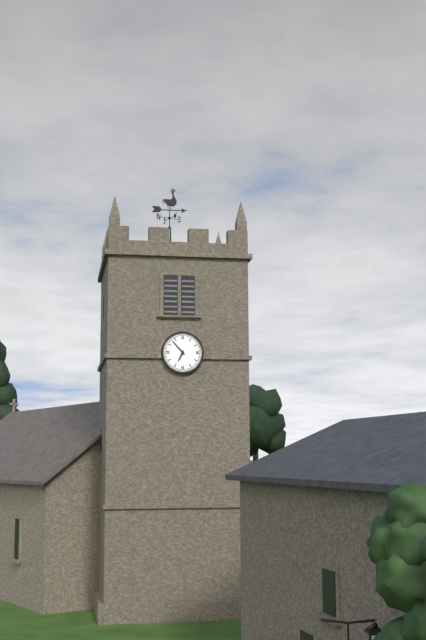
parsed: **6:53**
